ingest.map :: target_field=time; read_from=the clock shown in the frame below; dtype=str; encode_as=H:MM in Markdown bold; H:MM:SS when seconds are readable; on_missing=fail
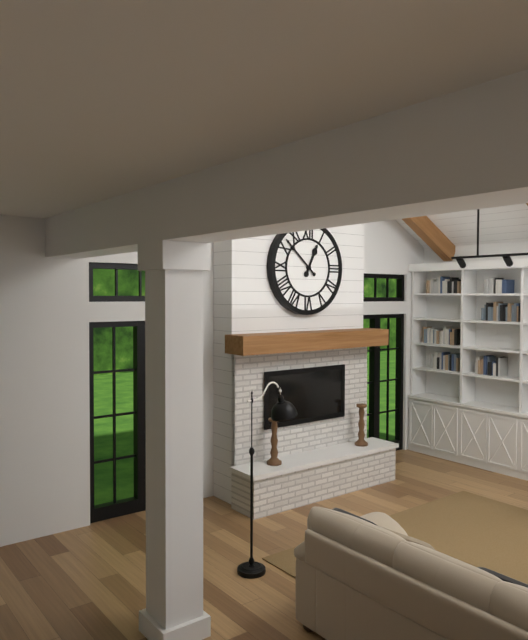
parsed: **12:52**
